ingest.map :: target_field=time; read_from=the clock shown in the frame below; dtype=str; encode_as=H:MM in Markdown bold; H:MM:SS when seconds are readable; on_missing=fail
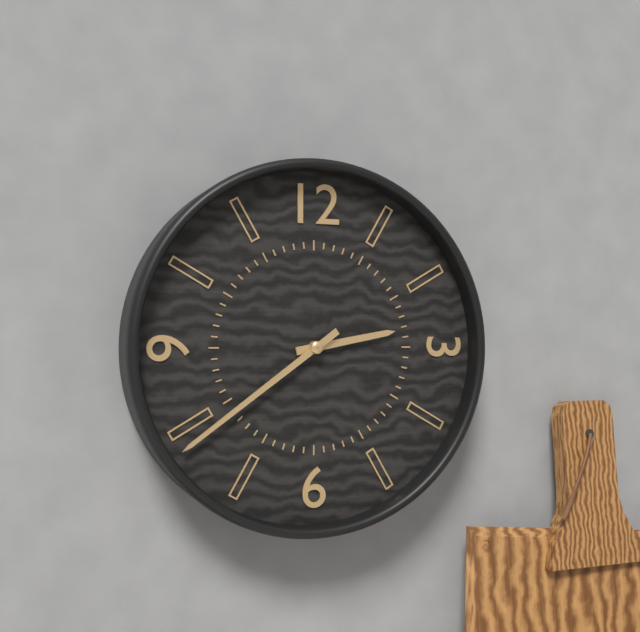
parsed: **2:39**
